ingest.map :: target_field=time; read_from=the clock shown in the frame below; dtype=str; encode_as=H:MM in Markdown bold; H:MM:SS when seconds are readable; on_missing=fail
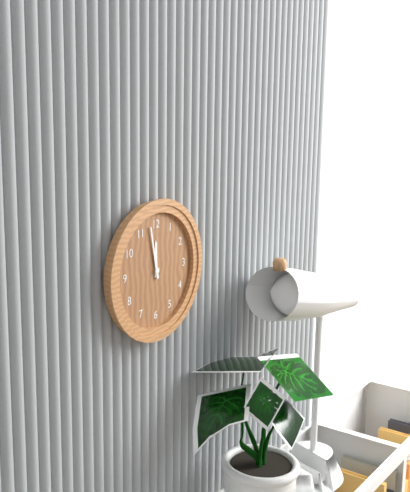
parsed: **11:58**
